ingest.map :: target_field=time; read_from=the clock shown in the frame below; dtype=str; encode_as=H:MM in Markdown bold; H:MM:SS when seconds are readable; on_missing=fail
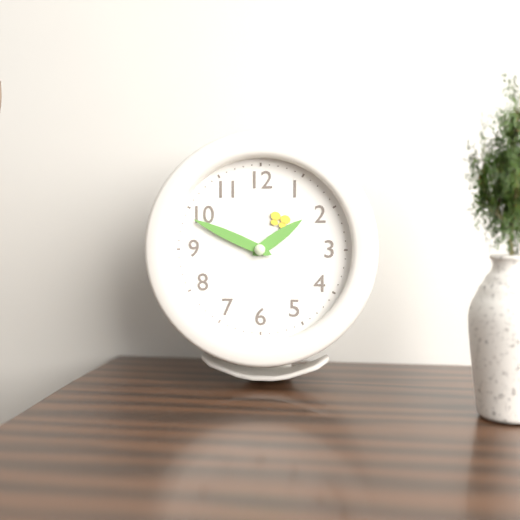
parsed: **1:49**
